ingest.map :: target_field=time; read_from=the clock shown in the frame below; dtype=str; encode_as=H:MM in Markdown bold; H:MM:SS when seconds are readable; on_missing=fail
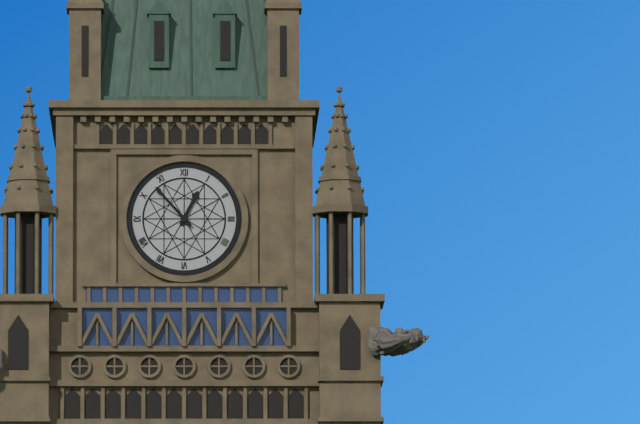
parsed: **12:53**
